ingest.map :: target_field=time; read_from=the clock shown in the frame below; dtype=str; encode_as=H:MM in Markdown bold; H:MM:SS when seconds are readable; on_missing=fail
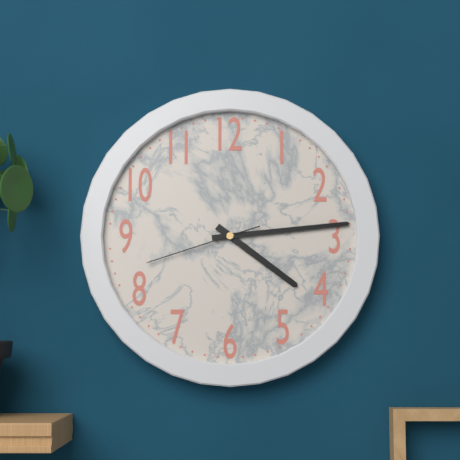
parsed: **4:14:42**
